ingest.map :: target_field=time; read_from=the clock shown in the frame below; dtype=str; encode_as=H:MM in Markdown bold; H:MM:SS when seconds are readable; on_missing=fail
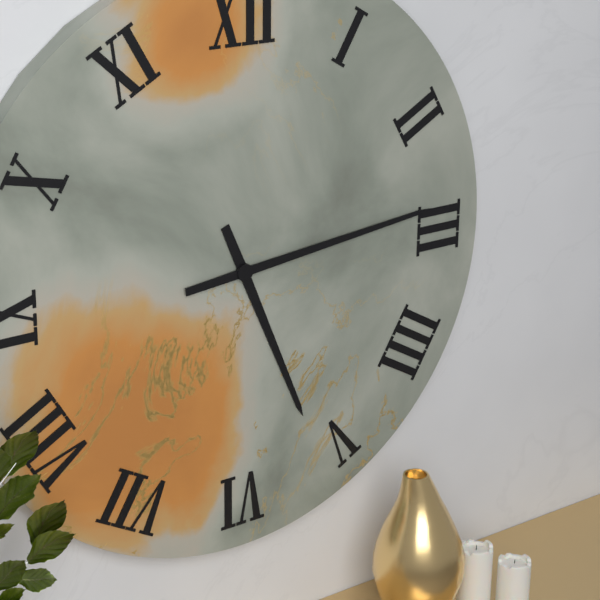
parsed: **5:14**
